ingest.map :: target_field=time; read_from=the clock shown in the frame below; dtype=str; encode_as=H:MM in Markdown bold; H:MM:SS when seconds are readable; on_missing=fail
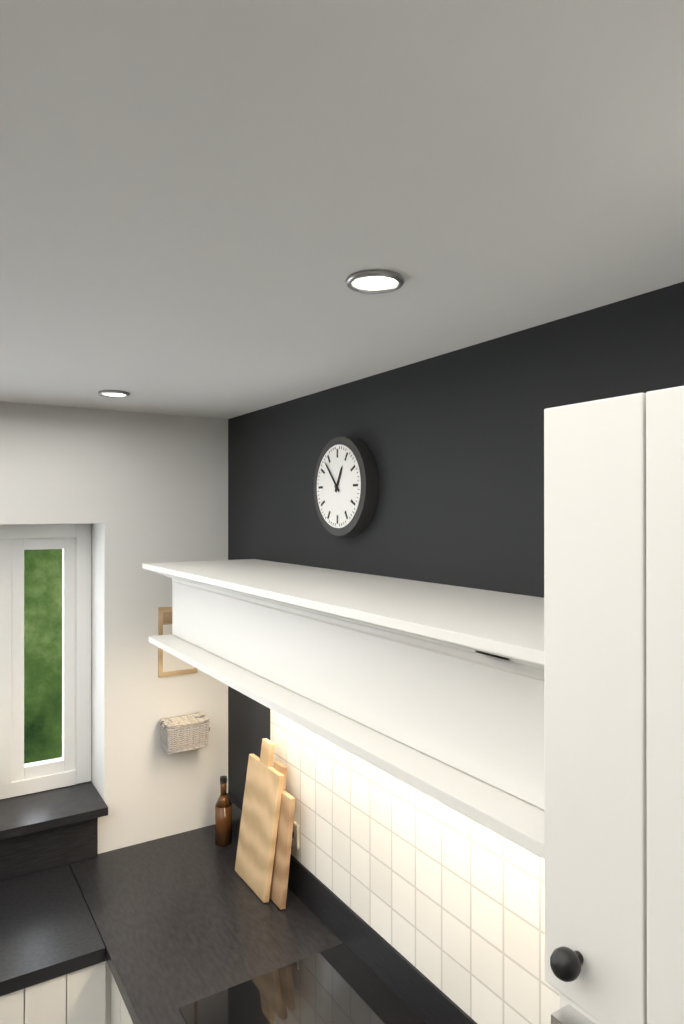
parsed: **12:53**
